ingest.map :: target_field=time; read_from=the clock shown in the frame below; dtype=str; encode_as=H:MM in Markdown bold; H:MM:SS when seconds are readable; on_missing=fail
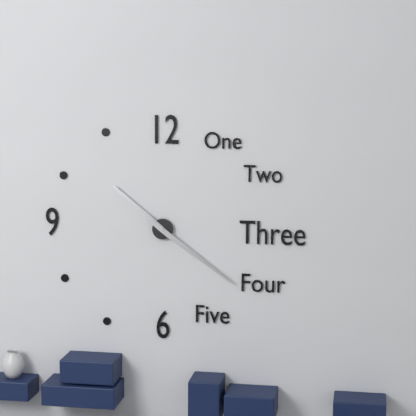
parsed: **10:21**
